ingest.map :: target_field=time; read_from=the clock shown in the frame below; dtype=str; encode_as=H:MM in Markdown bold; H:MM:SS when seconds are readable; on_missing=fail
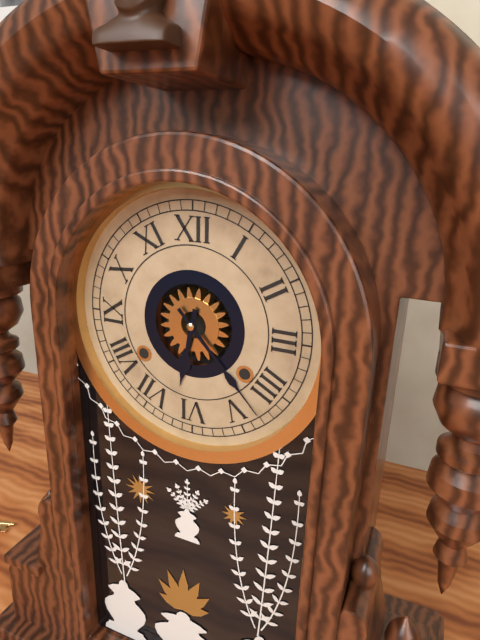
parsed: **6:23**
